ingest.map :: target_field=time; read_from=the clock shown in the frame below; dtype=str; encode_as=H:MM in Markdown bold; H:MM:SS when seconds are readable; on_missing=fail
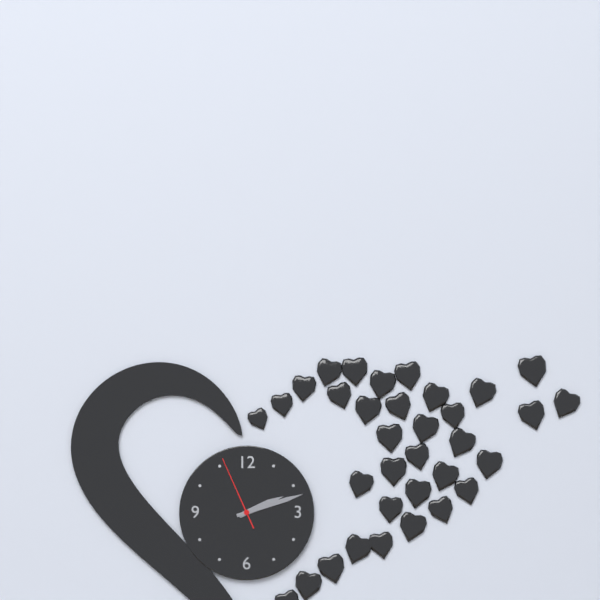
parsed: **2:12:56**
